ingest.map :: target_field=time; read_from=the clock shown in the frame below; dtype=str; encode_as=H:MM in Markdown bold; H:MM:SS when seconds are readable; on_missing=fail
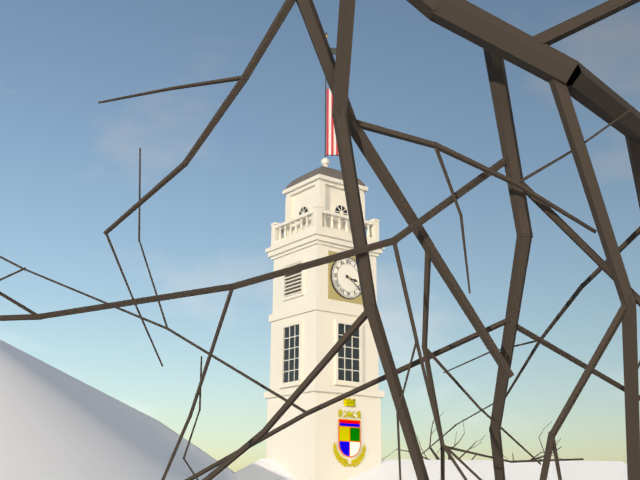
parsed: **3:21**
